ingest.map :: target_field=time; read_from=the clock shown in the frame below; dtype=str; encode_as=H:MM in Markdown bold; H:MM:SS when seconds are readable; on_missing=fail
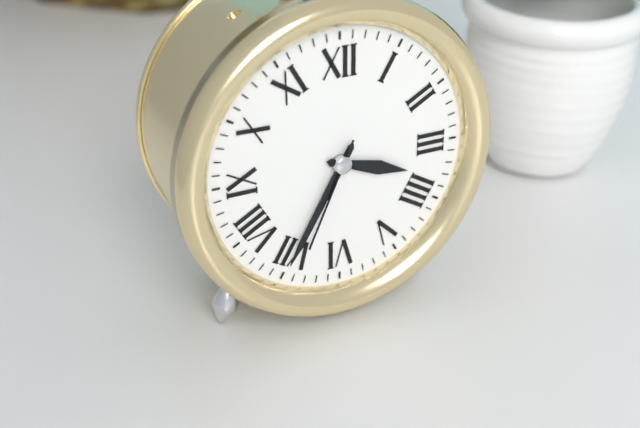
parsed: **3:35:34**
